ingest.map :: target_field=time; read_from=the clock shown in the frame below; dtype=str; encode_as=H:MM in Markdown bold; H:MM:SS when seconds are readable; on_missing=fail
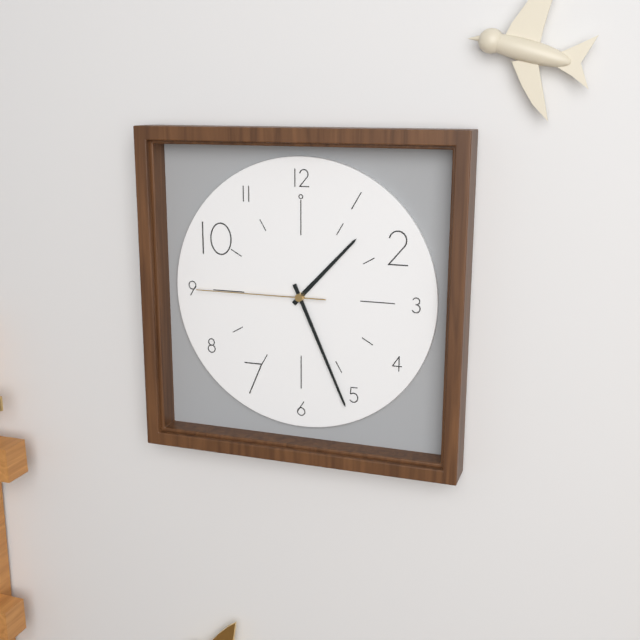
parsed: **1:26:45**
